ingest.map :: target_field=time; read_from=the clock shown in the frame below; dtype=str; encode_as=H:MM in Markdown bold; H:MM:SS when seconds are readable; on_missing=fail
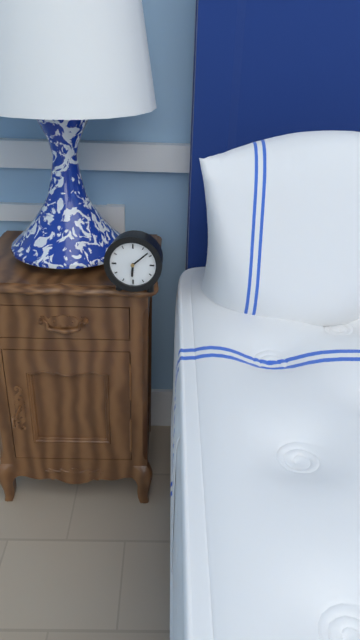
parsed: **6:08**
